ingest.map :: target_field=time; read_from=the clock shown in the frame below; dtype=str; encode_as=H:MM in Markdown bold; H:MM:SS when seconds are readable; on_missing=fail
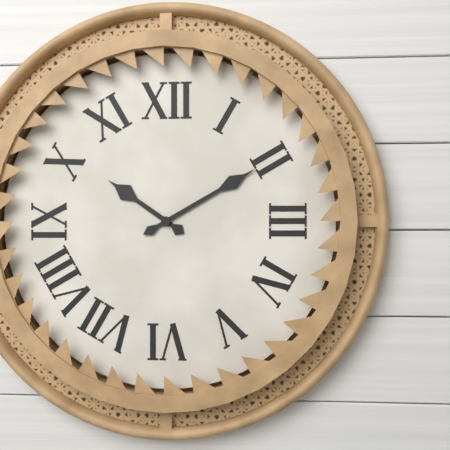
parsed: **10:10**
